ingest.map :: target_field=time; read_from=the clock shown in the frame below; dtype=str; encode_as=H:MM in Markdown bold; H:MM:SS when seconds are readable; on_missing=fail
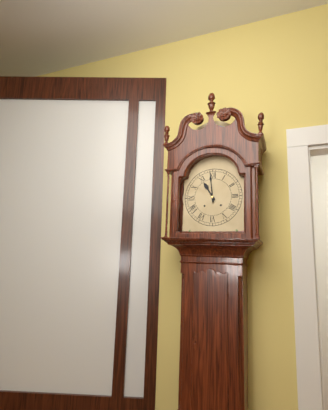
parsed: **10:59**
